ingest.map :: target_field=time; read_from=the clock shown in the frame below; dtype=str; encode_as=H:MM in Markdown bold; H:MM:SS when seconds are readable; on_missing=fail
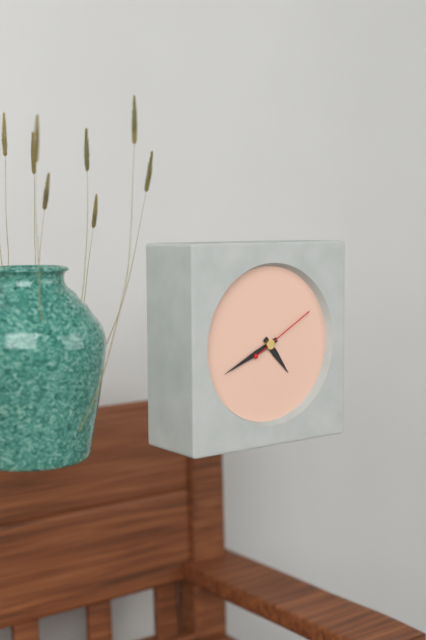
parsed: **4:41:10**
